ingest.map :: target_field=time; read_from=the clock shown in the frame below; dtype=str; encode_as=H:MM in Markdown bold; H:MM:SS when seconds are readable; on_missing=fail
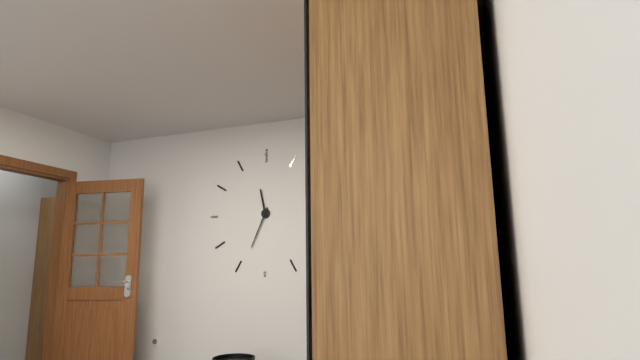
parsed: **11:34**
